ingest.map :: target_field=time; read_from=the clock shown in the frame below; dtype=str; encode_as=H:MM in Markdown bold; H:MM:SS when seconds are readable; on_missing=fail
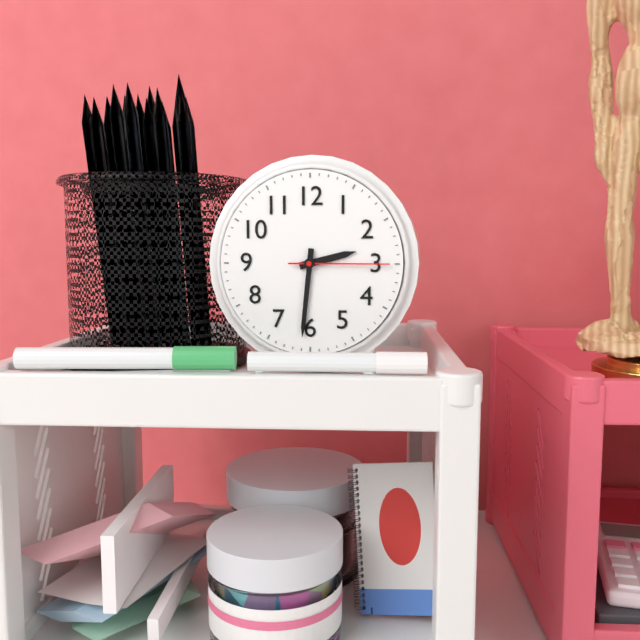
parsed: **2:31:15**
